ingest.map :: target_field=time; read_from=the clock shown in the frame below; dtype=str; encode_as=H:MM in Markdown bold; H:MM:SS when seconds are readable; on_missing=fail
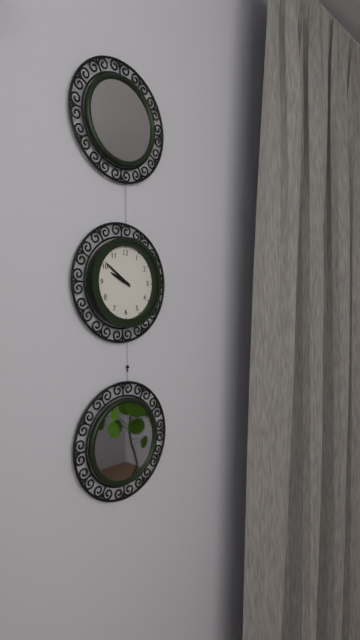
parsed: **9:51**
